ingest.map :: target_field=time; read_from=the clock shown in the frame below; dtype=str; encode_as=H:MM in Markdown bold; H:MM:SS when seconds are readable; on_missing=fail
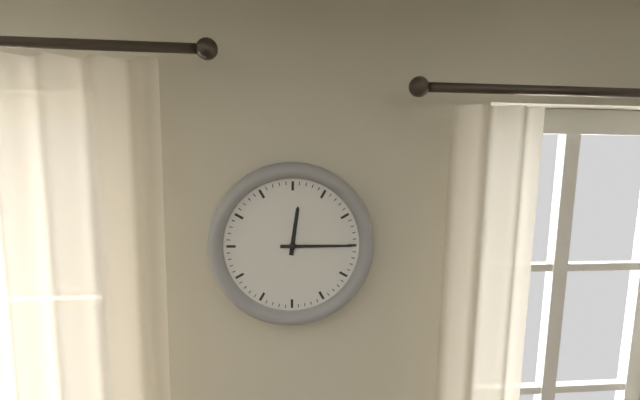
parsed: **12:15**
